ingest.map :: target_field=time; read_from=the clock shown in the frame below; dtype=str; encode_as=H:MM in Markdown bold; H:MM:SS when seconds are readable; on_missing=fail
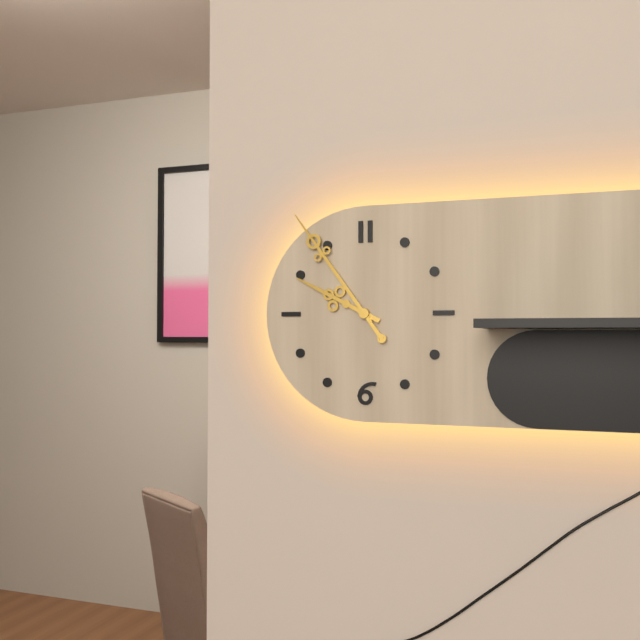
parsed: **9:54**
